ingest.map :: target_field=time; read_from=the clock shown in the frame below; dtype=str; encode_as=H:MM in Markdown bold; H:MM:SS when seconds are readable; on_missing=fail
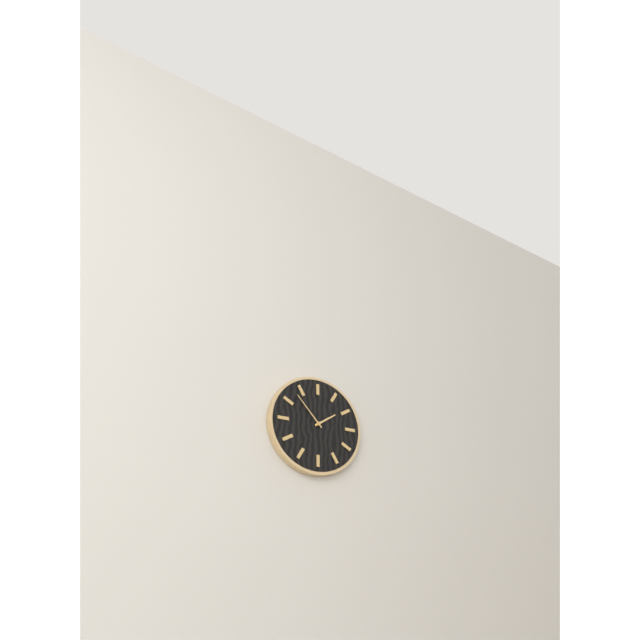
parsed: **1:53**
